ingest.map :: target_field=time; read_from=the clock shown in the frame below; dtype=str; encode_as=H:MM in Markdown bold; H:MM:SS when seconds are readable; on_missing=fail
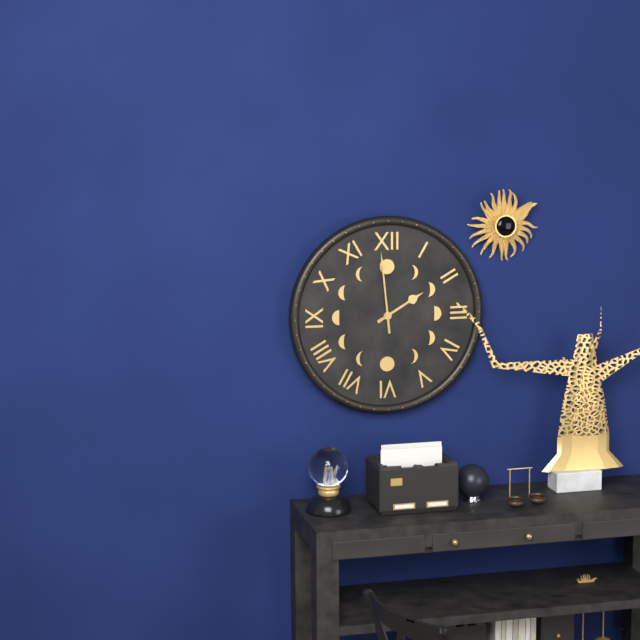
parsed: **1:59**
